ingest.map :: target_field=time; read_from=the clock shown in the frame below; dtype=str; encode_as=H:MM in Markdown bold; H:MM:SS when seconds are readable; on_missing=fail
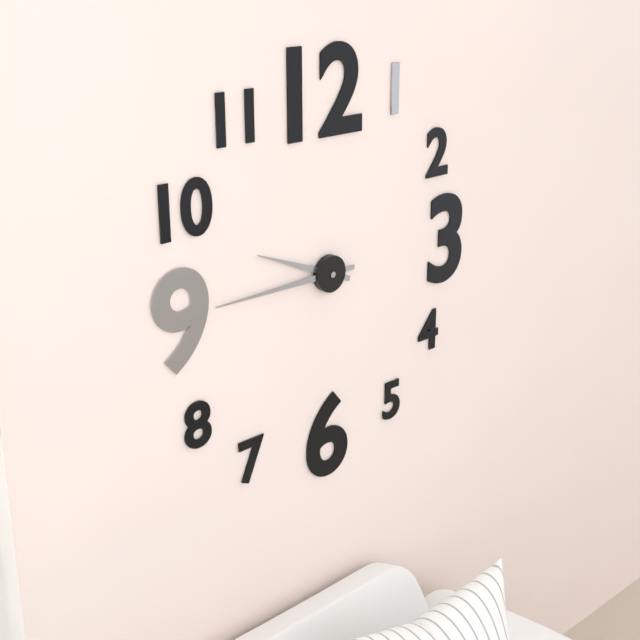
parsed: **9:45**
